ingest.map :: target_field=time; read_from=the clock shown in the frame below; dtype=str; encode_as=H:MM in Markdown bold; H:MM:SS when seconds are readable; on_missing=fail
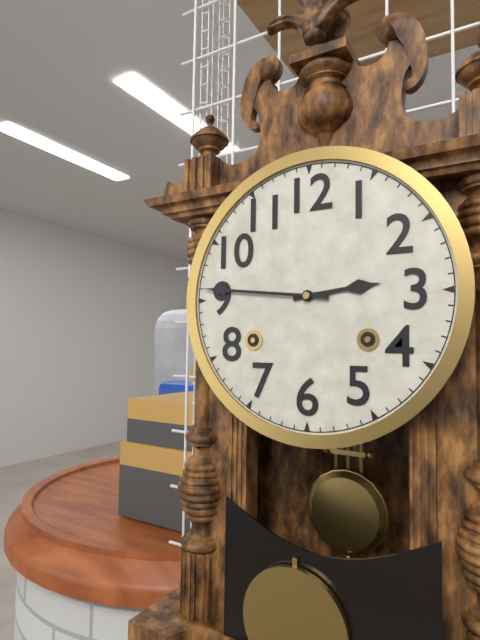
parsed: **2:46**
